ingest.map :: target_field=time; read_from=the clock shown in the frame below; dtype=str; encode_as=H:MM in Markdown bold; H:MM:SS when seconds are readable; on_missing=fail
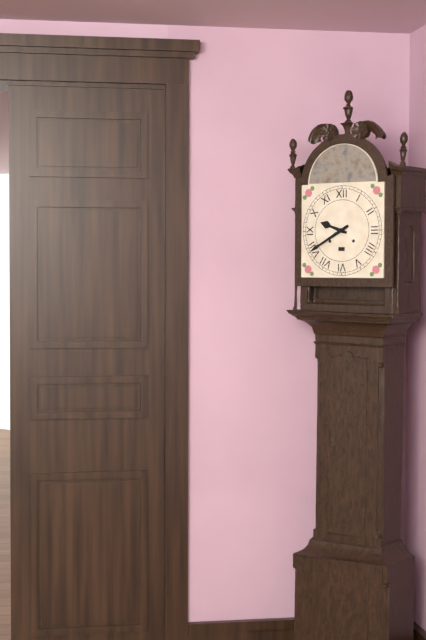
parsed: **9:40**
